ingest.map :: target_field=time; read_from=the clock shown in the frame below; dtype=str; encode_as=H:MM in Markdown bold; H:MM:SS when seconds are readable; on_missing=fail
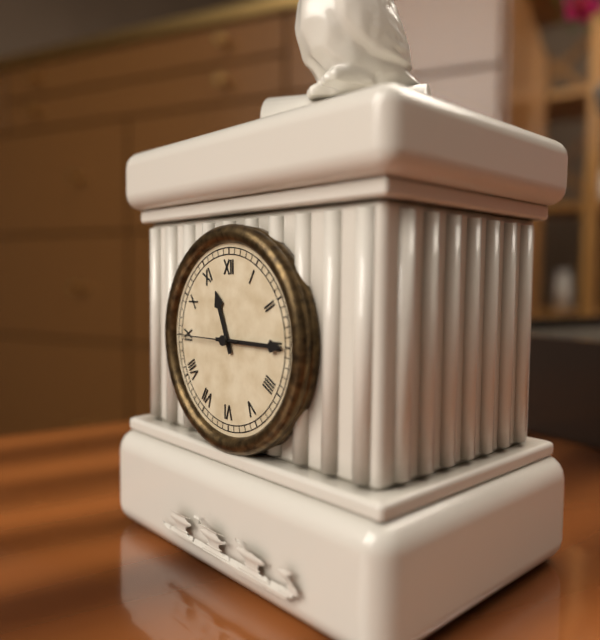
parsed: **11:15:45**
